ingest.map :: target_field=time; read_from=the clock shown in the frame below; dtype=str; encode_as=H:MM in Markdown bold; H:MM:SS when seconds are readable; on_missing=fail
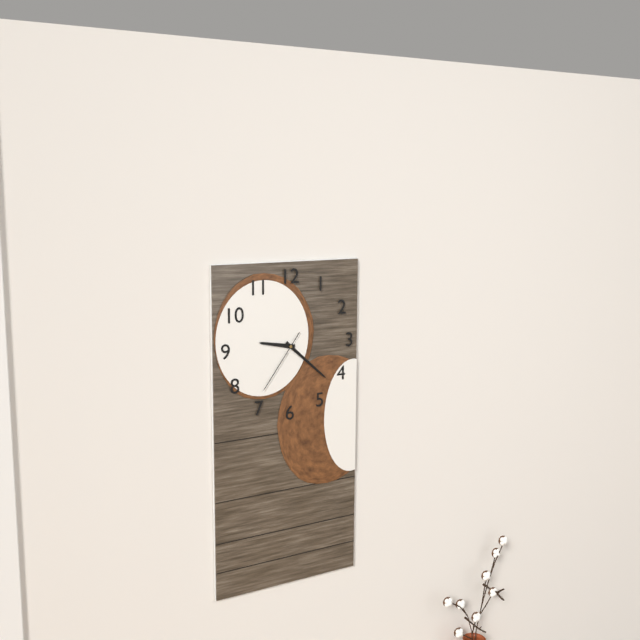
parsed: **9:22:36**
